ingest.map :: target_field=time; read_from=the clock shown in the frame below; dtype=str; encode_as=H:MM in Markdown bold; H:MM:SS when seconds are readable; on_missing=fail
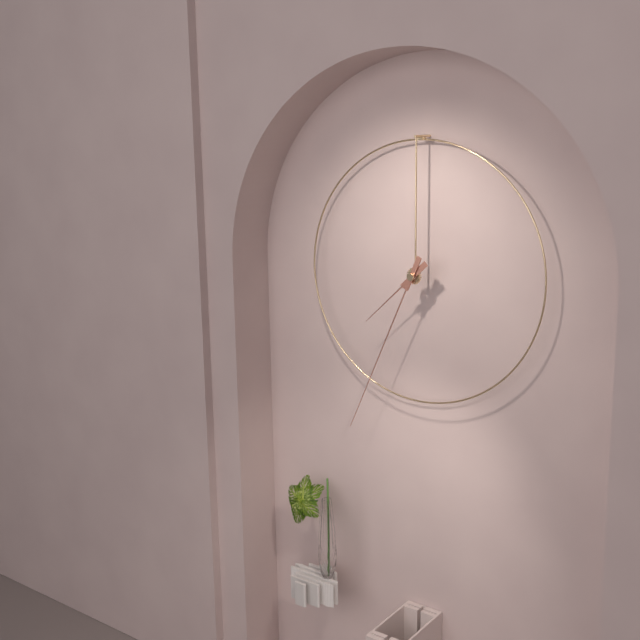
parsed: **7:34**
